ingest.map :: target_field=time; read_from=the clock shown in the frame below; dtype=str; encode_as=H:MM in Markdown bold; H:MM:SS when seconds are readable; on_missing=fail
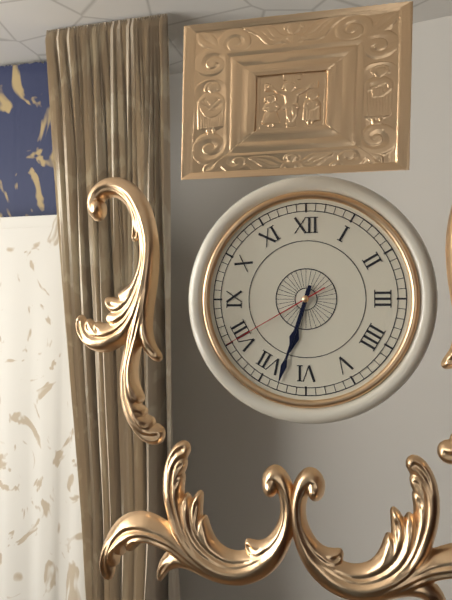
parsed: **6:33:40**
